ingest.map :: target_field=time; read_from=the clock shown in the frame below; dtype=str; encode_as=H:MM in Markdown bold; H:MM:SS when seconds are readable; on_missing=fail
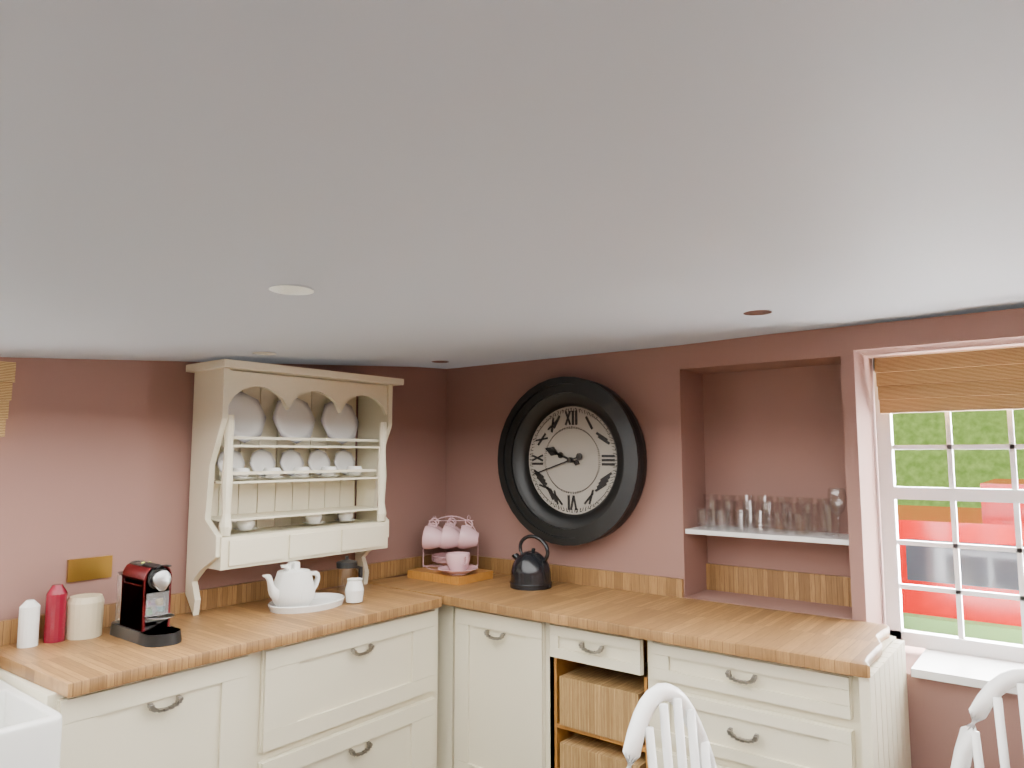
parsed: **9:42**
